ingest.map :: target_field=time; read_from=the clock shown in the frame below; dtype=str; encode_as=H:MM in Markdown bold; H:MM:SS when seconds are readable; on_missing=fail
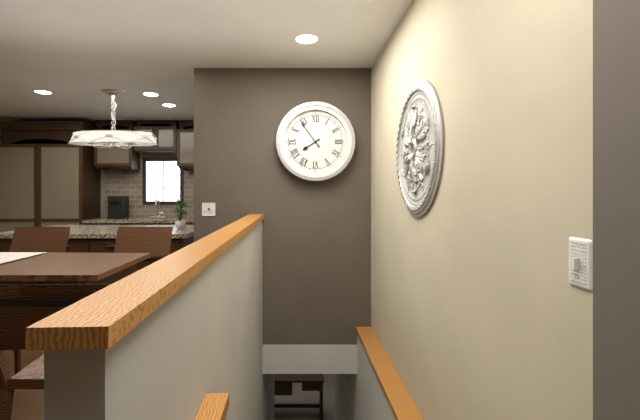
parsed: **7:54**
